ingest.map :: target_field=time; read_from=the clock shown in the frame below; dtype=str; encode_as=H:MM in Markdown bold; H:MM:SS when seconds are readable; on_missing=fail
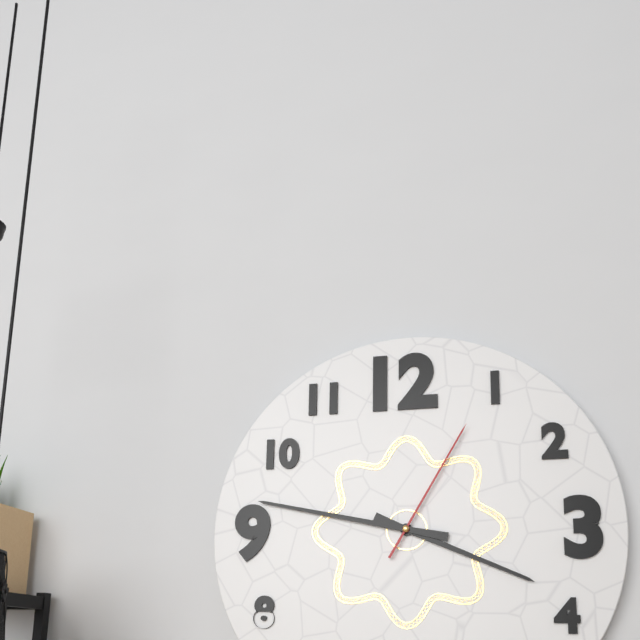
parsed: **3:47:05**
